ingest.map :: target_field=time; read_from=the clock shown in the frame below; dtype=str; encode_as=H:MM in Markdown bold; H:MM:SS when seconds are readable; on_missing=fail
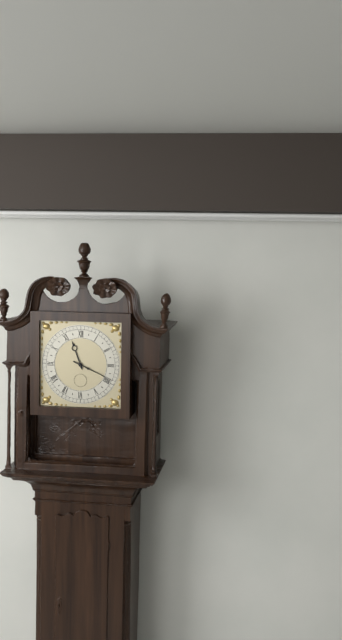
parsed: **11:19**
